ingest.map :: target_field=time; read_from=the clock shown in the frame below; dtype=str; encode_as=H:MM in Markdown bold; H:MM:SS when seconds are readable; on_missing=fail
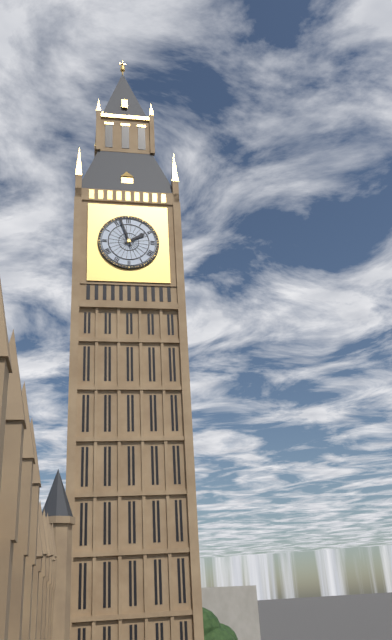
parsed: **1:57**
